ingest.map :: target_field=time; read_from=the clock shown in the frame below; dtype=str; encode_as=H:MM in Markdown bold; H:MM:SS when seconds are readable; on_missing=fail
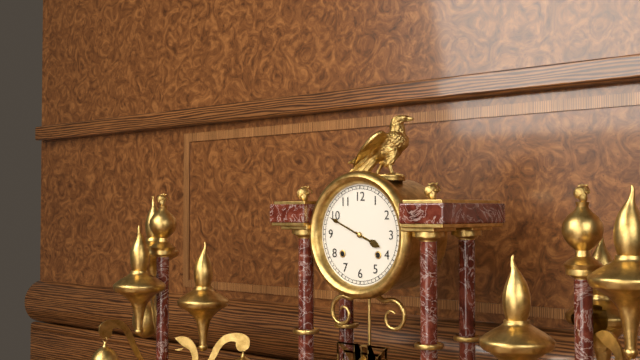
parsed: **3:49**
